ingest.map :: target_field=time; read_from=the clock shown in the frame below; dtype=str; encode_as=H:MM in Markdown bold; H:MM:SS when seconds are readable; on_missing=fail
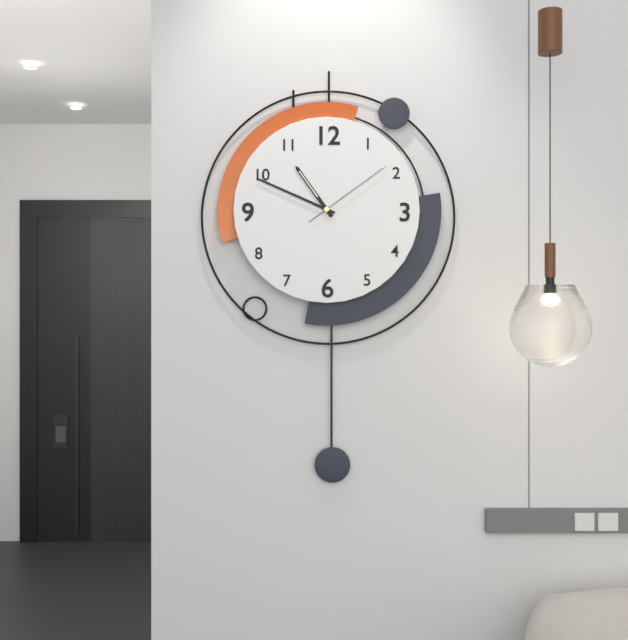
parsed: **10:49:09**
